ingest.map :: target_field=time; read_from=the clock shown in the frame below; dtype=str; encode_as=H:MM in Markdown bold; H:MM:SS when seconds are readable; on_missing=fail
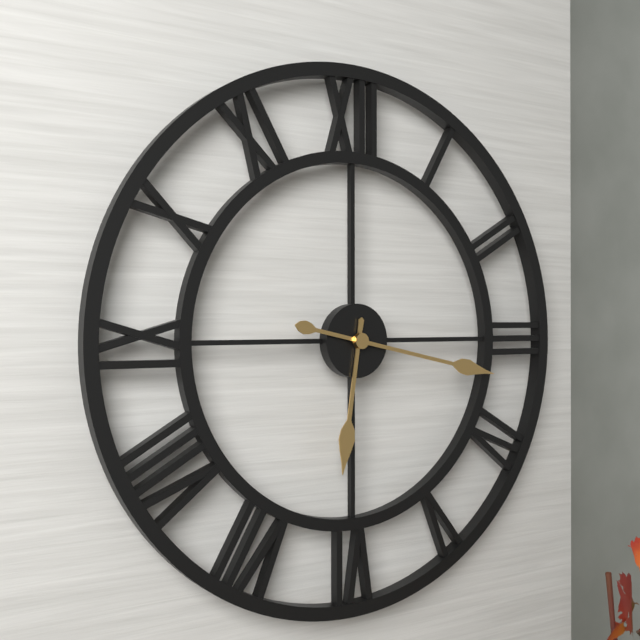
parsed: **6:17**
